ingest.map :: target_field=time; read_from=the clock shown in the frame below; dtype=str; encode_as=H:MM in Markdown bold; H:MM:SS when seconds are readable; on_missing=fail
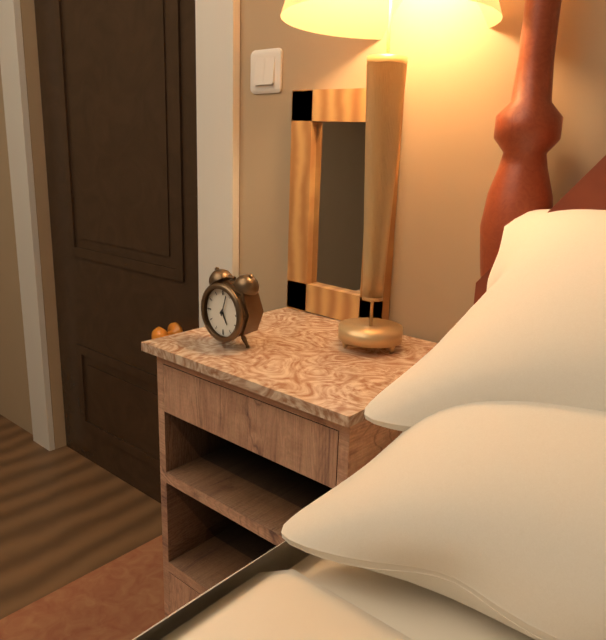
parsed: **5:03**
